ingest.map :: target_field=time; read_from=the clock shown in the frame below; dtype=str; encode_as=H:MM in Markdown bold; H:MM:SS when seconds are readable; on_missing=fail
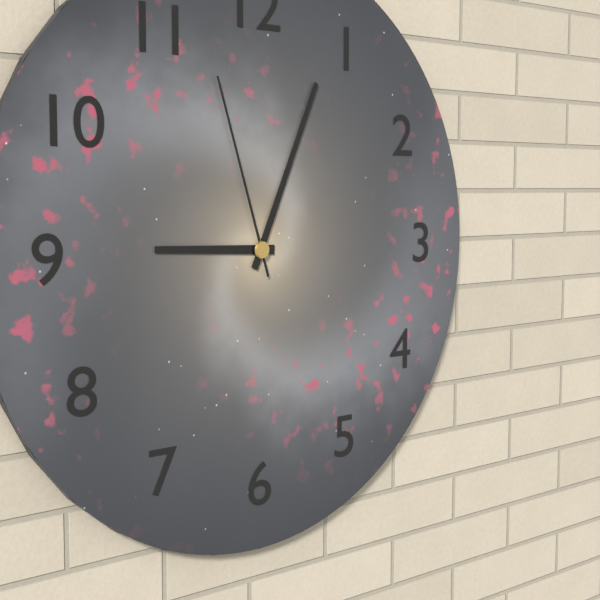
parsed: **9:04:57**
